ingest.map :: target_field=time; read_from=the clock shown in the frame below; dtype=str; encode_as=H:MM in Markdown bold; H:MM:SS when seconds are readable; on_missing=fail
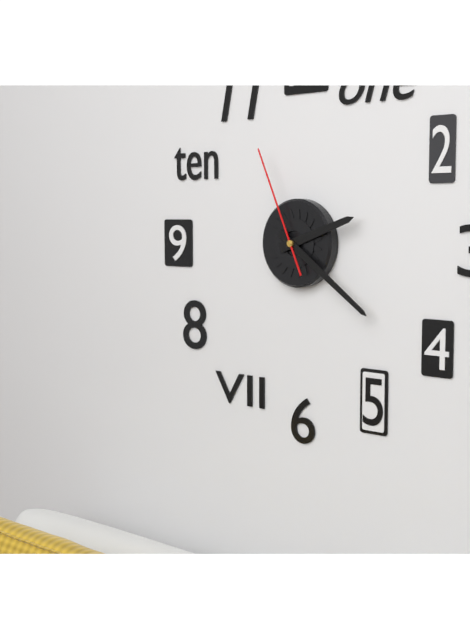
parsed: **2:21:56**
